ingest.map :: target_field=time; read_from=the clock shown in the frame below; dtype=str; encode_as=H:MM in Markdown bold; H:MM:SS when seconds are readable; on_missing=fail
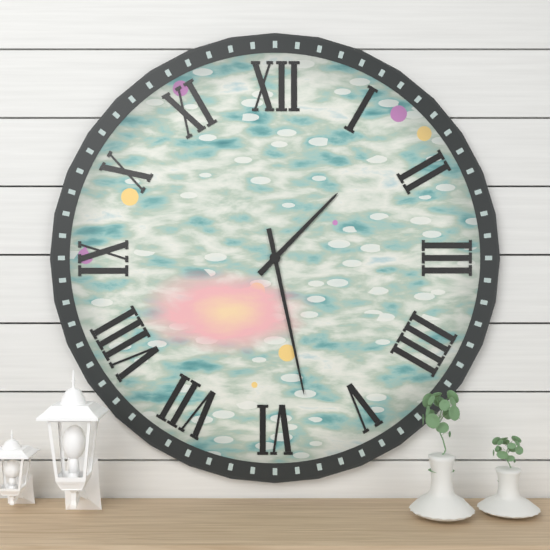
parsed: **1:28**
